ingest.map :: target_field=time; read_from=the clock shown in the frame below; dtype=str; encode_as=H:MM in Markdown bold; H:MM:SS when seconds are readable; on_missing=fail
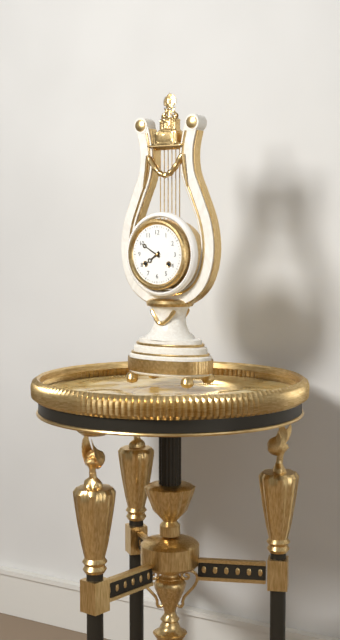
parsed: **7:50**
